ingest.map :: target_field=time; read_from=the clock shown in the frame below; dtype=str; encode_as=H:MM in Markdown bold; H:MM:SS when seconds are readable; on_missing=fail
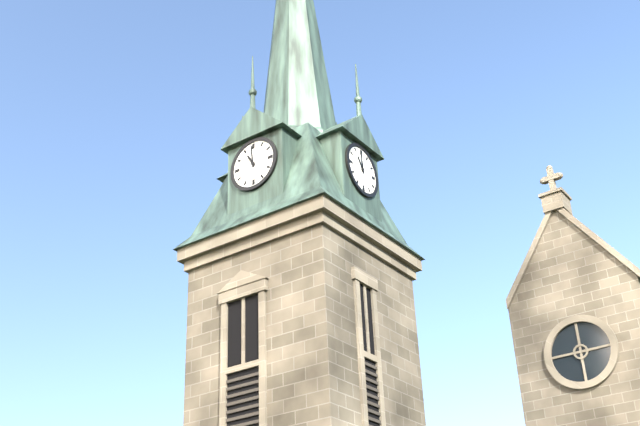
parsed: **10:59**
